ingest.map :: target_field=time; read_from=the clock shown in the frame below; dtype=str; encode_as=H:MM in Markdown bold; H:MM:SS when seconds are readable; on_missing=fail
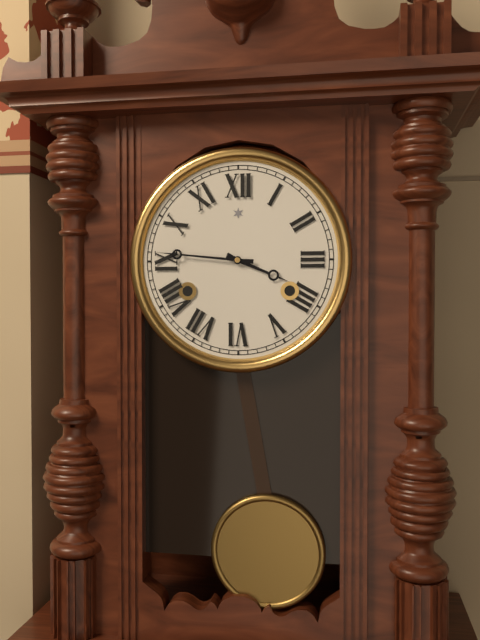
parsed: **3:46**
